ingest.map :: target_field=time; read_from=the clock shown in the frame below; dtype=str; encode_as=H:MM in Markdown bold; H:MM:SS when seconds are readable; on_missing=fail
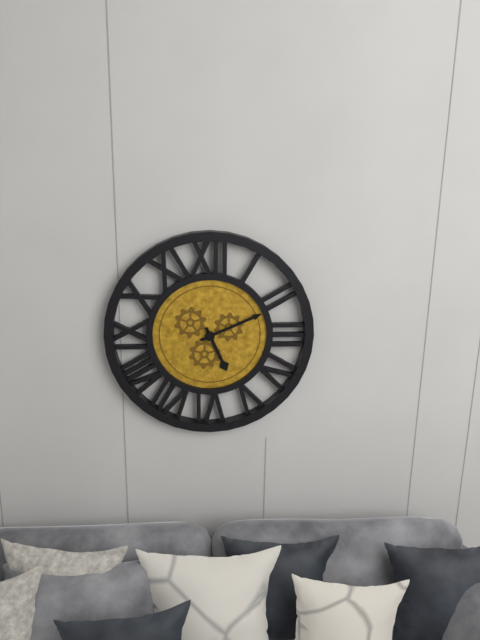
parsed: **5:11**
